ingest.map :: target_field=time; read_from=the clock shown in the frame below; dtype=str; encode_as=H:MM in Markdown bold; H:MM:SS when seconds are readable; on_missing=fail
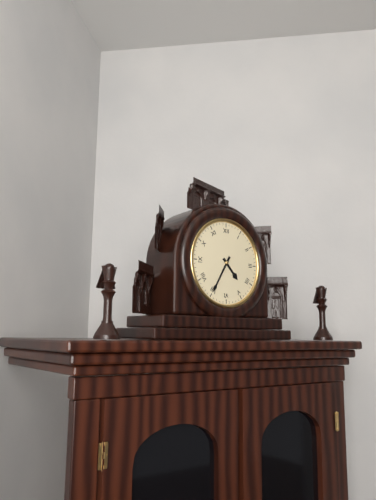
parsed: **4:35**
